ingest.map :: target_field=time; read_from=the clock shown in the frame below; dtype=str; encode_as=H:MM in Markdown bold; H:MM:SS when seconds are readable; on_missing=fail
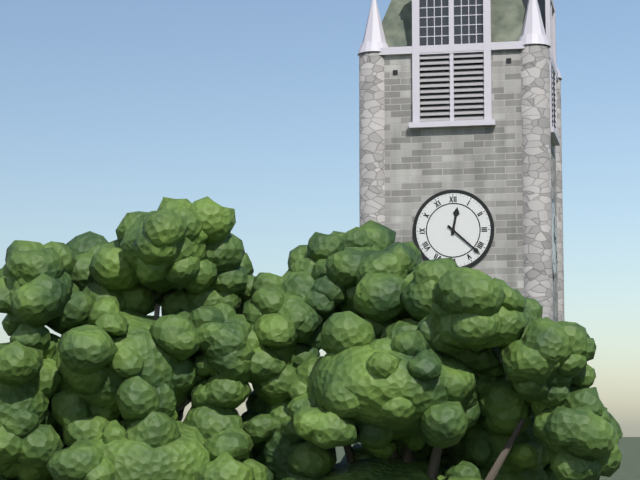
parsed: **12:22**
